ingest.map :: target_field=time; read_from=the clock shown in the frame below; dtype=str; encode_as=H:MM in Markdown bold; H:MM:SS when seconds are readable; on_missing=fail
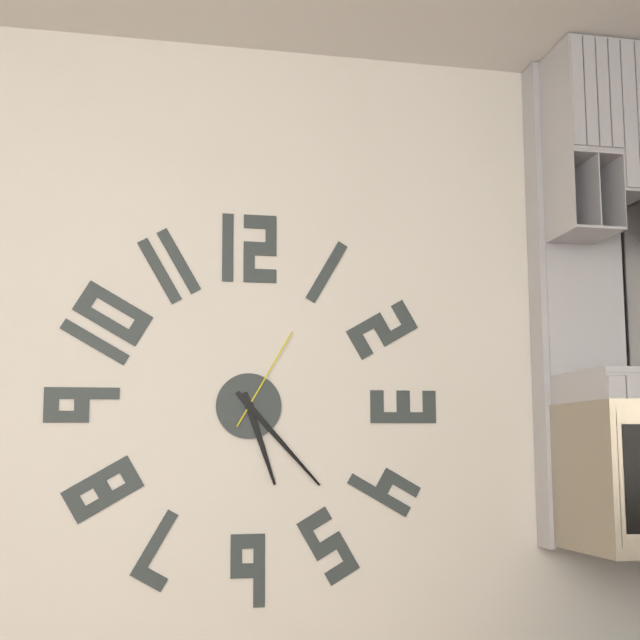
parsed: **5:23:05**
